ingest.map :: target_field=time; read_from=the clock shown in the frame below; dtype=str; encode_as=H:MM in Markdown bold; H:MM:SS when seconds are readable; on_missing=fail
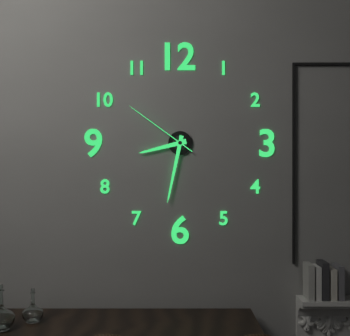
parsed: **8:32:51**
